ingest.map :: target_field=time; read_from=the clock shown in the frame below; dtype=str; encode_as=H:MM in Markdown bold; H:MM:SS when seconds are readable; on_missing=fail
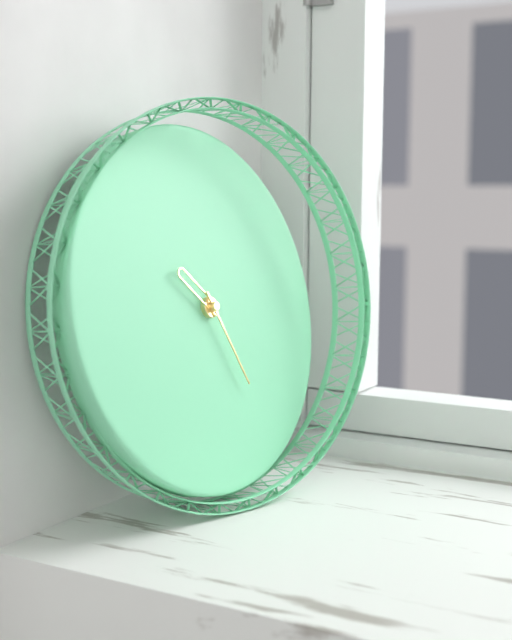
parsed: **10:26**
